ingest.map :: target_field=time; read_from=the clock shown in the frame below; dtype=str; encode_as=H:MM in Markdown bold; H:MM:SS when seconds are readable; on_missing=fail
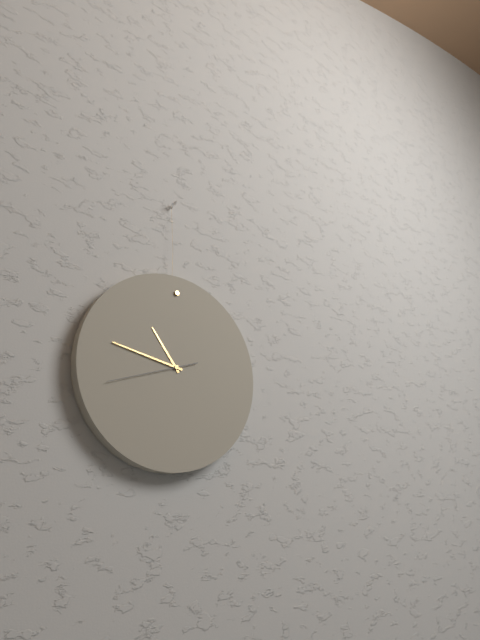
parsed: **10:47:42**
